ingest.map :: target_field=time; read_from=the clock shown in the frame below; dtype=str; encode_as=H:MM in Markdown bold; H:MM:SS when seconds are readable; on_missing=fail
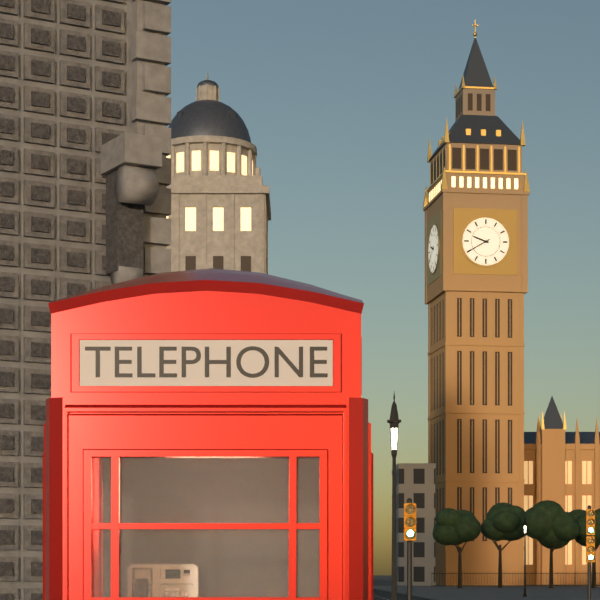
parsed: **9:40**
